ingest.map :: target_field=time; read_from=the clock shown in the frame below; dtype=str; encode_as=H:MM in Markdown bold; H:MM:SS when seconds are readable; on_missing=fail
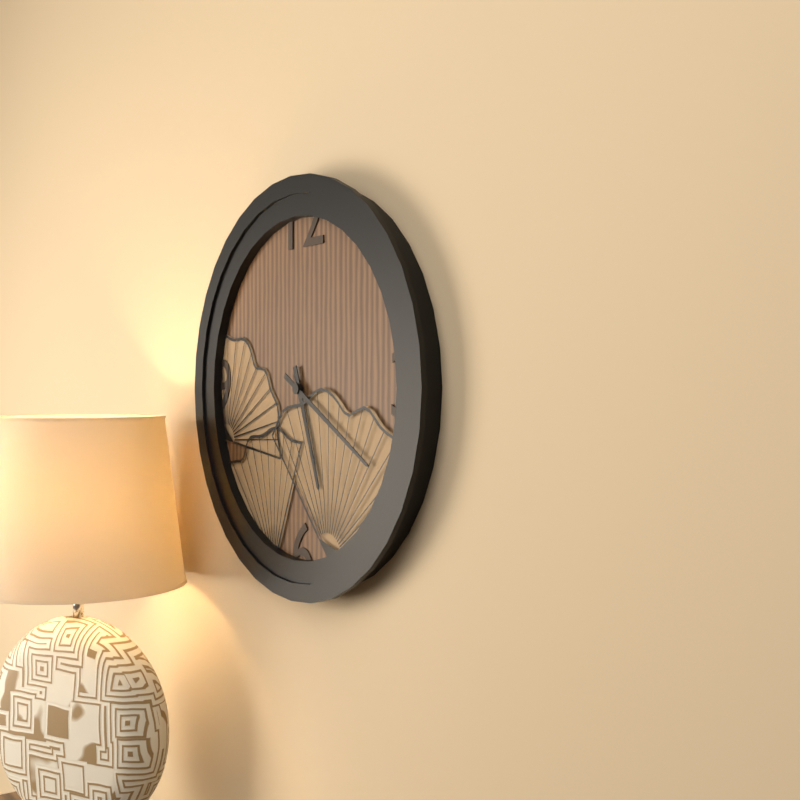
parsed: **5:20**
